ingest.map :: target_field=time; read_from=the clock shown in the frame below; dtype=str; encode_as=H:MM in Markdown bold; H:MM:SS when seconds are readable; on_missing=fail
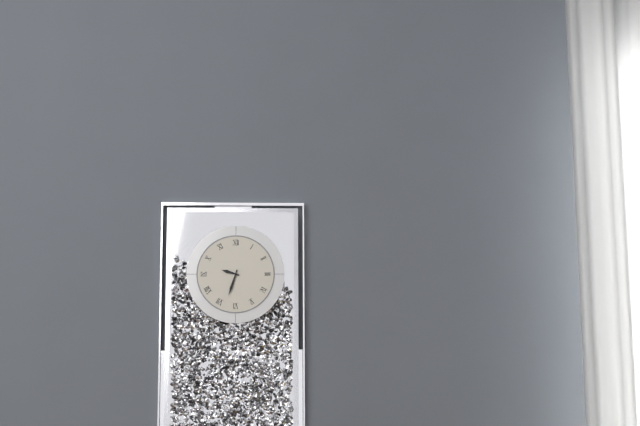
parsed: **9:33**
